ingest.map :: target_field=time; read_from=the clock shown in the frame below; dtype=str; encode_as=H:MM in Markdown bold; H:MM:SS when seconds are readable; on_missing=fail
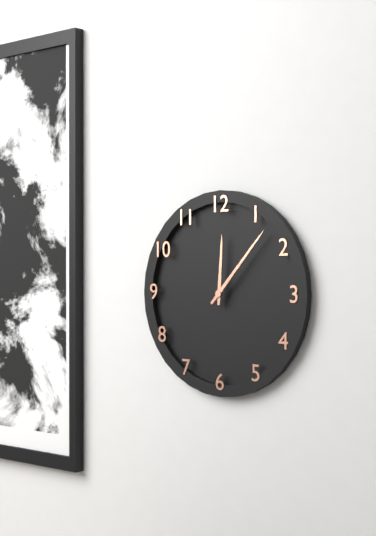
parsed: **12:07**
